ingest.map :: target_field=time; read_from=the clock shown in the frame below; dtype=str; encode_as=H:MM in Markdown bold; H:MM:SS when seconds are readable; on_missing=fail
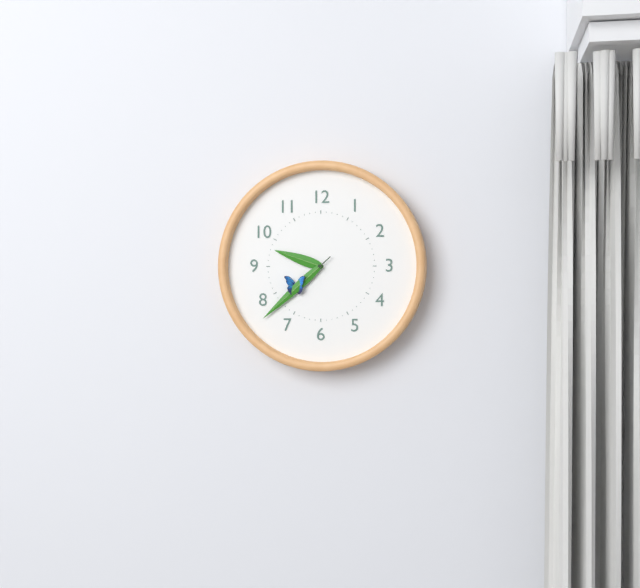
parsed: **9:38**
